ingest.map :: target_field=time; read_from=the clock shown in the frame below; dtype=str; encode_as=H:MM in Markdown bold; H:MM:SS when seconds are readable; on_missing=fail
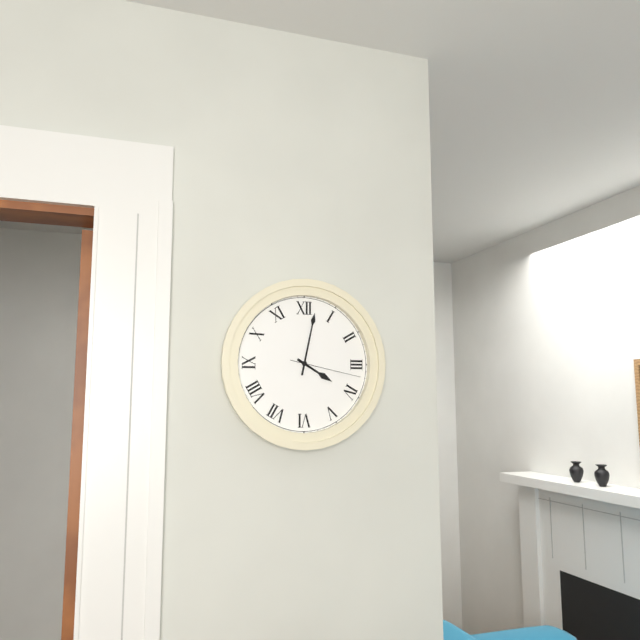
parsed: **4:02:17**
